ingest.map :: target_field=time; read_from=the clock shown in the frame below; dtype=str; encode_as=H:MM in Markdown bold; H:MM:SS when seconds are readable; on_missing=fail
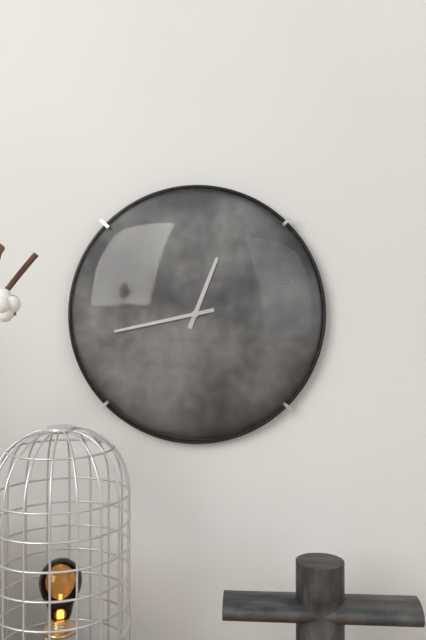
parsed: **12:43**
